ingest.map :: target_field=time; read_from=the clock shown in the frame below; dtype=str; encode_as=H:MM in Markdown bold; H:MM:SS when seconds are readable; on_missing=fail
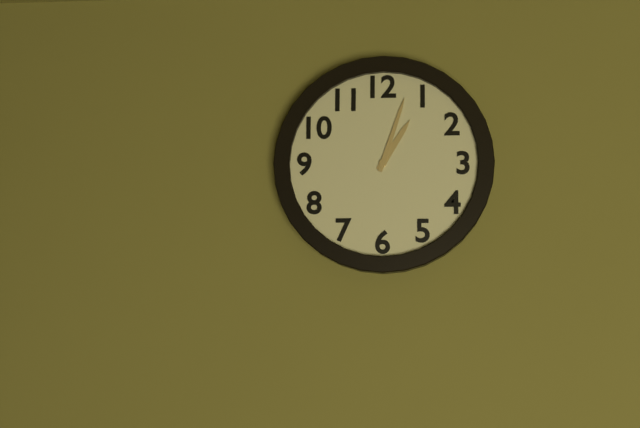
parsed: **1:03**
